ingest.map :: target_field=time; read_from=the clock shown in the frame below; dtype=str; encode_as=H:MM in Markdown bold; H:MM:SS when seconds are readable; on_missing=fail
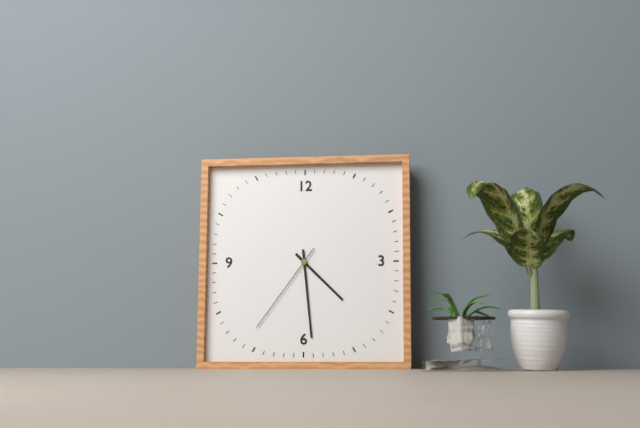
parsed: **4:29:36**
